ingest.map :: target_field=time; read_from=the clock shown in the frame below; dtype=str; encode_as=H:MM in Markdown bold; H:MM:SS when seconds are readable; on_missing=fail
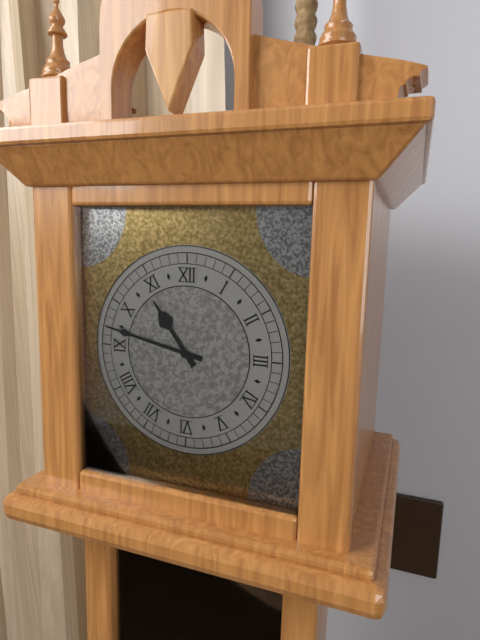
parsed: **10:47**
